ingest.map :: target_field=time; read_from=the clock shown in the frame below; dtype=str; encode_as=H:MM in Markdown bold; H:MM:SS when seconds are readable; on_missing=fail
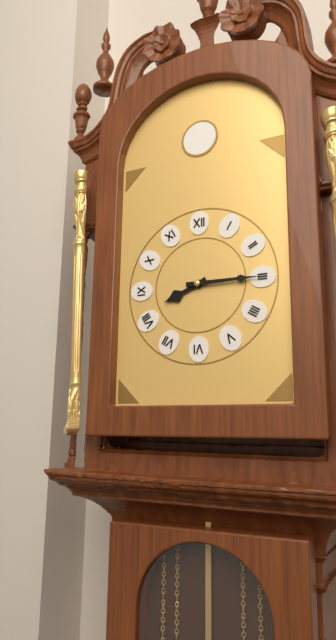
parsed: **8:15**
